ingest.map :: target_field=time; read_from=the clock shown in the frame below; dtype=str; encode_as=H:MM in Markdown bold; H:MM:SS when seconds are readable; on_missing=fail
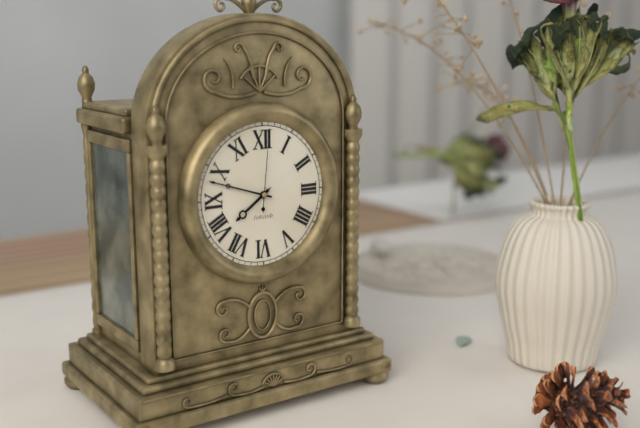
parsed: **7:48:01**
